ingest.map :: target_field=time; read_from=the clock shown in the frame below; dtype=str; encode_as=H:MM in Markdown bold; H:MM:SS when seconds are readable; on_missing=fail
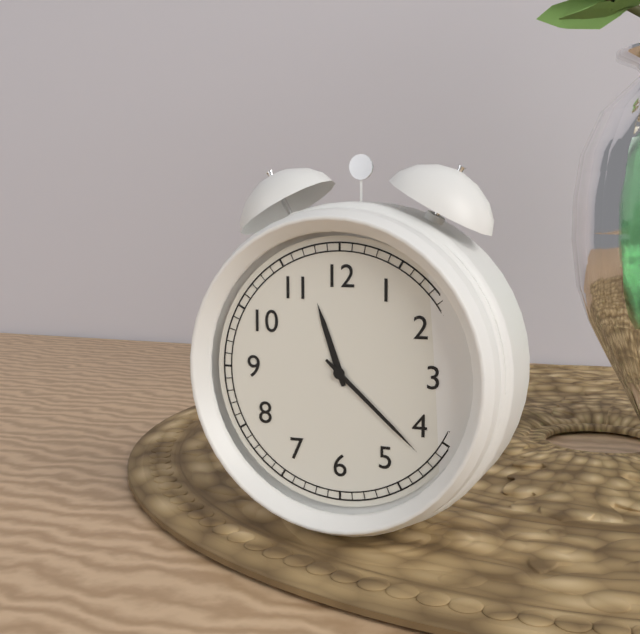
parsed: **11:22**
